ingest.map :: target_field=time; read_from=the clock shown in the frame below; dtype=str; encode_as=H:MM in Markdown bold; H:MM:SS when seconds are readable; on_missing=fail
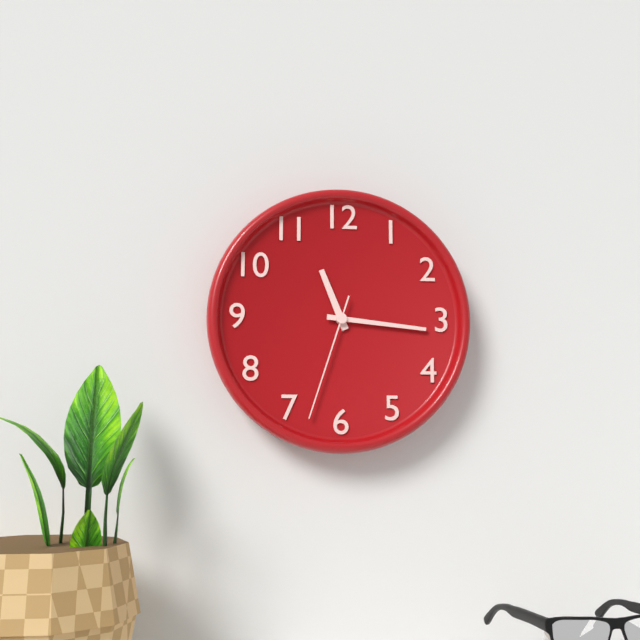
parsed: **11:16:33**
